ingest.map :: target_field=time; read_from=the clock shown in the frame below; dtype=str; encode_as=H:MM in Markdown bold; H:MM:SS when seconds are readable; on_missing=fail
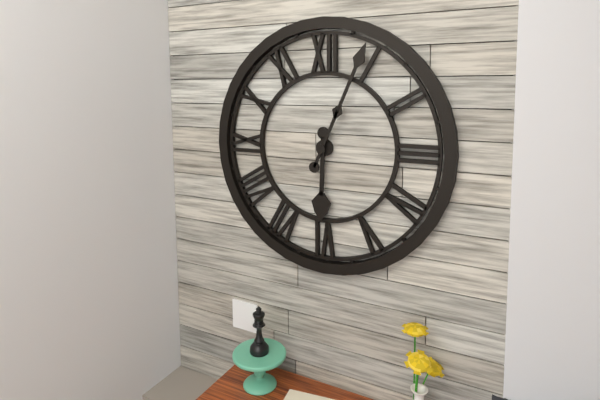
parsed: **6:04**
